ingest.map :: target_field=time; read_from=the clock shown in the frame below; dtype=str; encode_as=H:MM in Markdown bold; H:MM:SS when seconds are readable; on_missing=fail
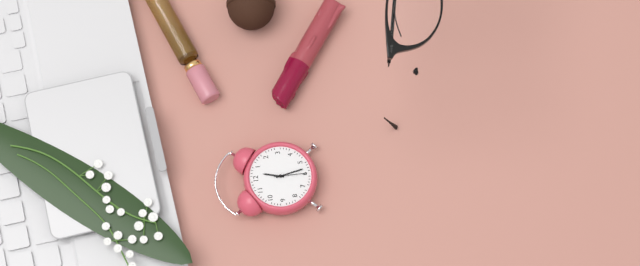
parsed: **12:28**
